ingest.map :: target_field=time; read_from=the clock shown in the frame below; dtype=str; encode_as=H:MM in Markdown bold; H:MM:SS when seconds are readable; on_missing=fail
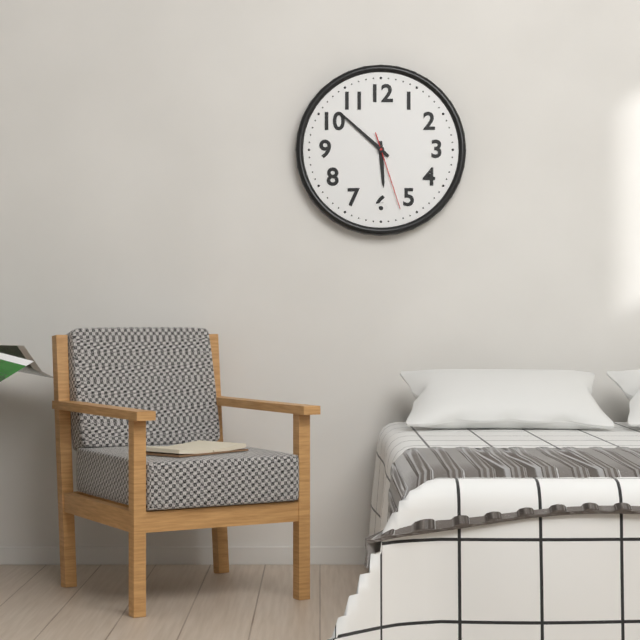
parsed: **5:52:27**
